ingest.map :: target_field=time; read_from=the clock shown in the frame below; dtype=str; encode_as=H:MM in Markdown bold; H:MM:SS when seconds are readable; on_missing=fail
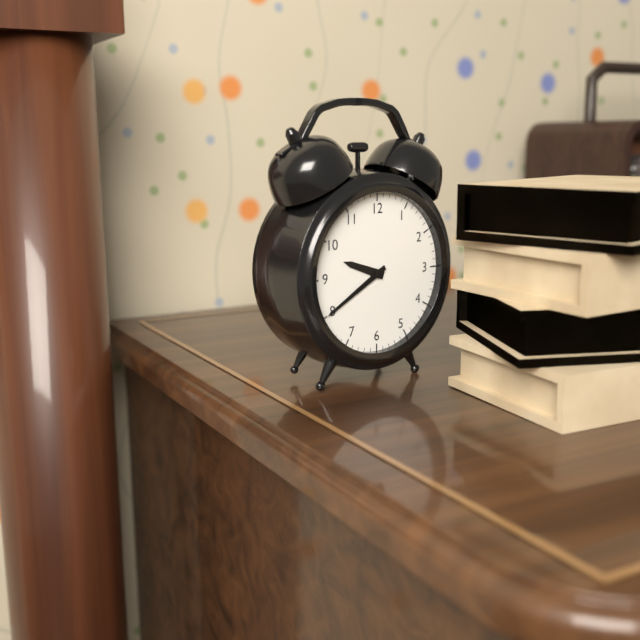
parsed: **9:40**
